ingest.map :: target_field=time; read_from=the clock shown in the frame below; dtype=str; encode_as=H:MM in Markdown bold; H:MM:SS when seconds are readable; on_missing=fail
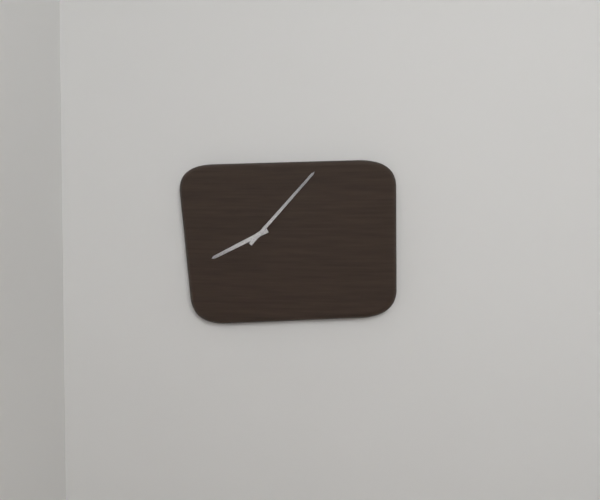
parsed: **8:07**
